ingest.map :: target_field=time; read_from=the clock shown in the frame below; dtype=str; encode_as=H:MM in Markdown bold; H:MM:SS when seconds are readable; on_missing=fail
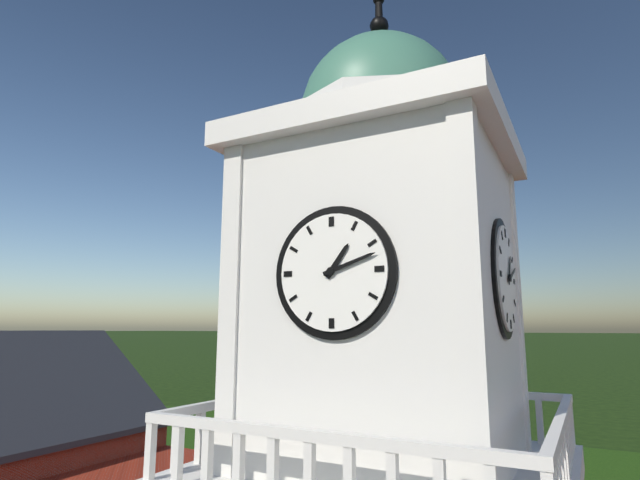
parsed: **1:12**
